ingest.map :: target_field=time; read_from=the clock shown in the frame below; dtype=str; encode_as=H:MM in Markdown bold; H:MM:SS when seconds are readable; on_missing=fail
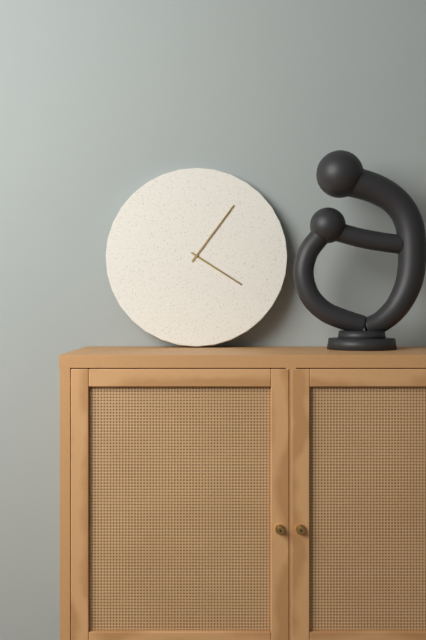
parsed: **4:06**
